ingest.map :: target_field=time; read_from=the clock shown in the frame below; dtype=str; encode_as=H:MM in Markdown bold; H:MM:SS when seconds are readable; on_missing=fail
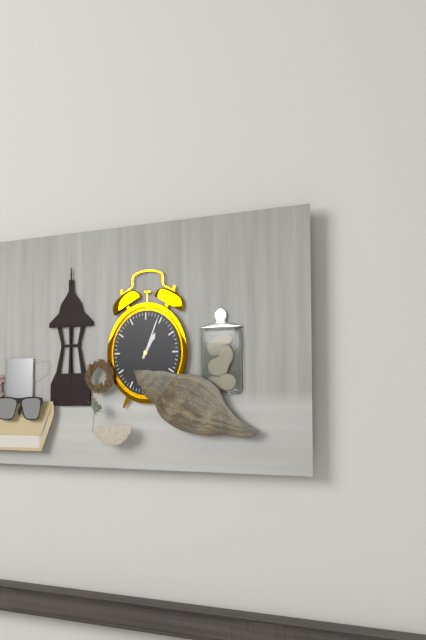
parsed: **1:04**
